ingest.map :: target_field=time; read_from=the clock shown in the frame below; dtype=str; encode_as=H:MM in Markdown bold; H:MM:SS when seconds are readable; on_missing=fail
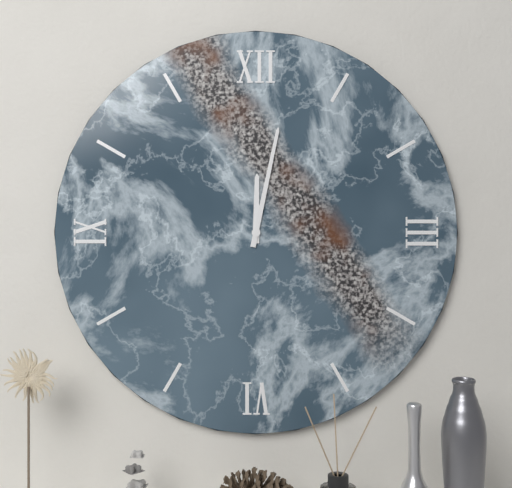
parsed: **12:02**
